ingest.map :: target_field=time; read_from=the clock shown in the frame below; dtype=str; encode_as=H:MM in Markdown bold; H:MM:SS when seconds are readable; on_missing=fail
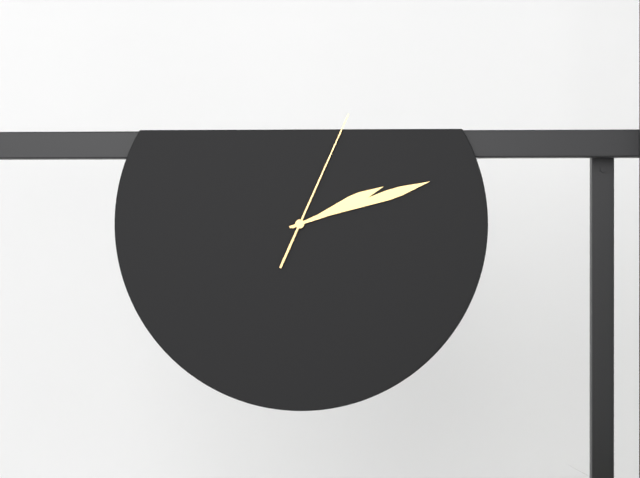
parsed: **2:12:04**
